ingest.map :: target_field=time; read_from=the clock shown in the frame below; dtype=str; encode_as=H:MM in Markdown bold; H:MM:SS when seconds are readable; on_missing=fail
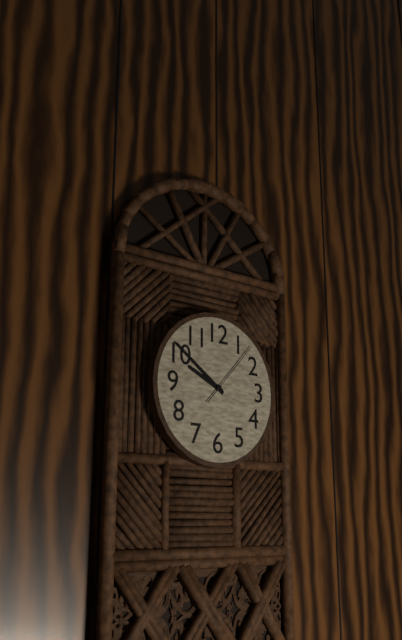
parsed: **9:51:07**
